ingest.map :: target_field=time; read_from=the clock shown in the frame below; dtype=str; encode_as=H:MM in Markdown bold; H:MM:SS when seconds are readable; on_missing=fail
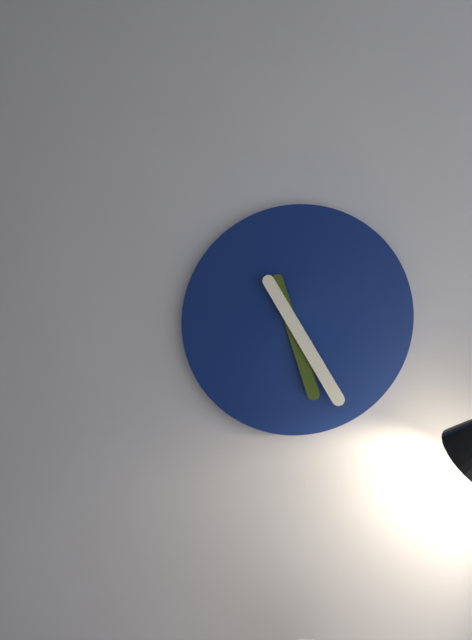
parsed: **5:25**
